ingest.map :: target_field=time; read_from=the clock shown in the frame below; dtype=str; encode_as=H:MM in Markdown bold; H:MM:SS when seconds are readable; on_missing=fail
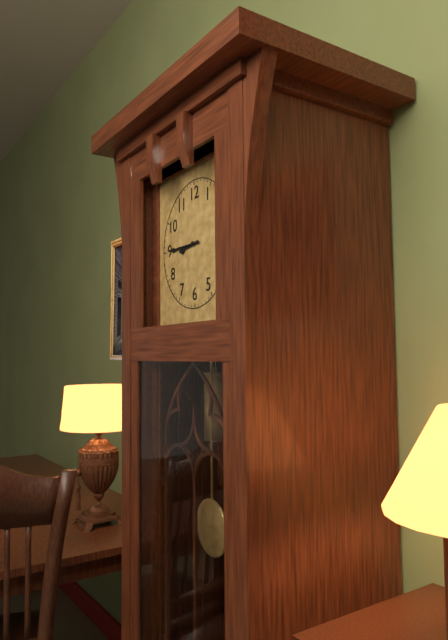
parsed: **8:45**
